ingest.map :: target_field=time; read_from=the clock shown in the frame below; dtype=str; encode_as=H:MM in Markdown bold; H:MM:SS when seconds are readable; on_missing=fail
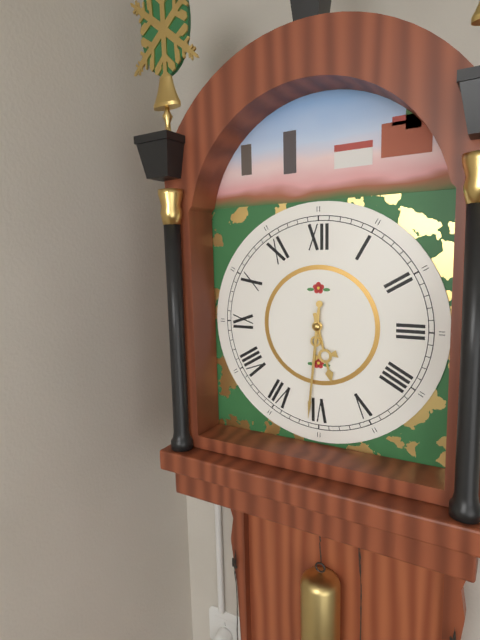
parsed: **5:31**
